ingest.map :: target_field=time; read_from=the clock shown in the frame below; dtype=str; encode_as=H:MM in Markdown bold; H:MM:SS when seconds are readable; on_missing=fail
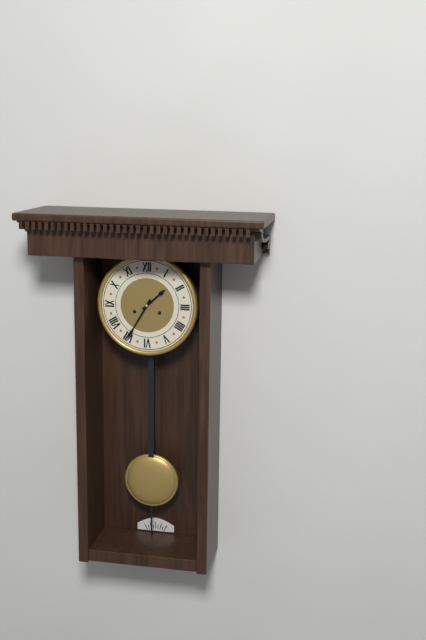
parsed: **1:35**
